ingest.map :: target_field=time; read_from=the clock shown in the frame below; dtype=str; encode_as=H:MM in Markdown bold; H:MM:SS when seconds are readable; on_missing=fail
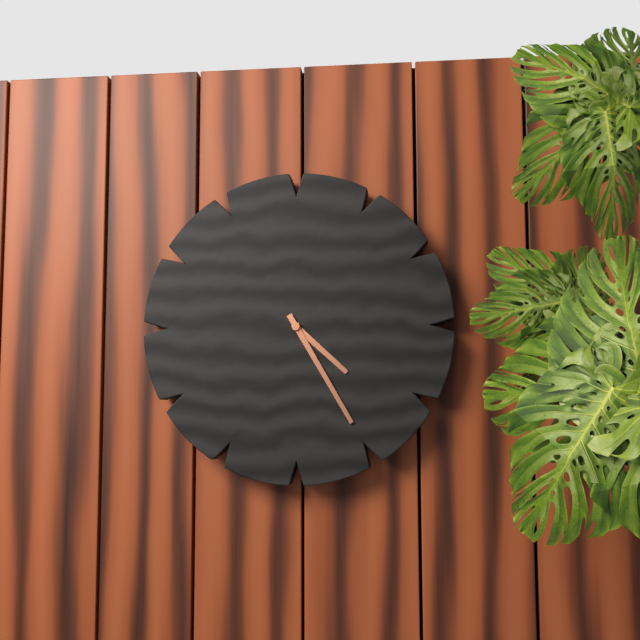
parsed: **4:25**
